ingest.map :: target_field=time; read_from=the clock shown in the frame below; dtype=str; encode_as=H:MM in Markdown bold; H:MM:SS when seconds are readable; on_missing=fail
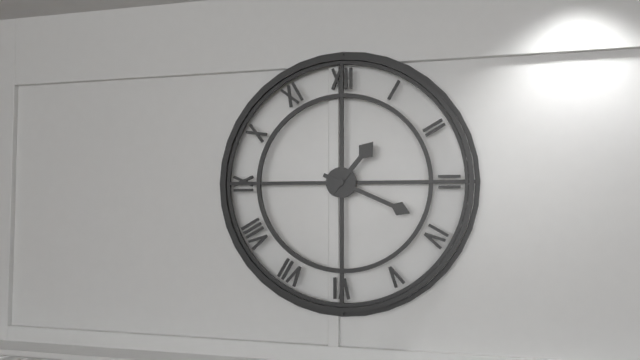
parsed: **1:19**
